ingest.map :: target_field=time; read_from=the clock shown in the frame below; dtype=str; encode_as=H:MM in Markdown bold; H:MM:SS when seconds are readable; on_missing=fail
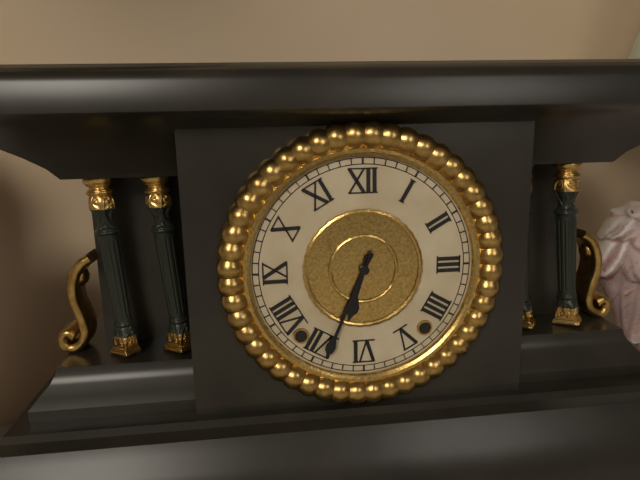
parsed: **6:34**
